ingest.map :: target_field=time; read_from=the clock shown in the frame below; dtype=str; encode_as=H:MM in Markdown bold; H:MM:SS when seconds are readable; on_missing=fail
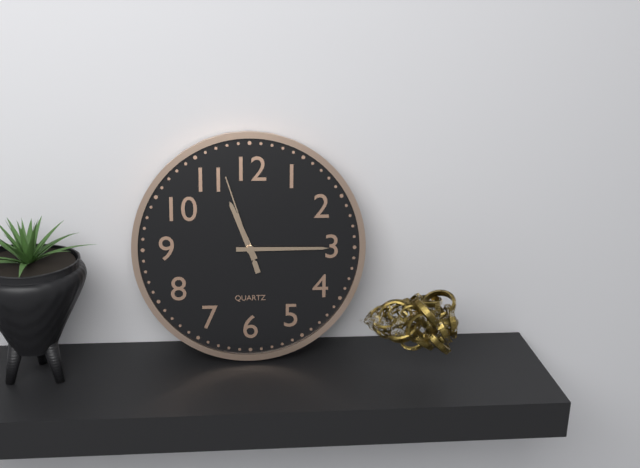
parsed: **11:15:57**
